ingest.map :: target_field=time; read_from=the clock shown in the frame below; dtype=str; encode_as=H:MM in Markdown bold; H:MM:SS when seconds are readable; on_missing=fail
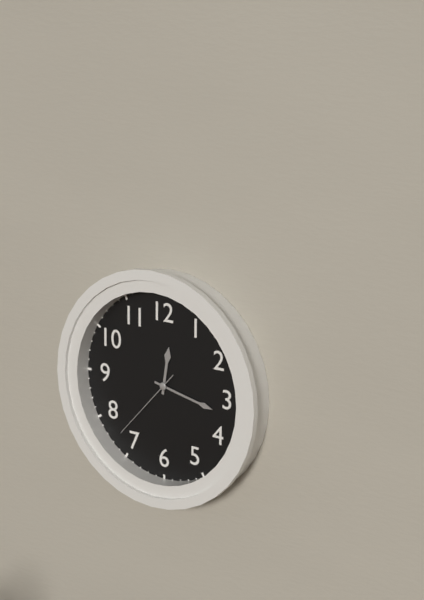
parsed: **12:17:37**
